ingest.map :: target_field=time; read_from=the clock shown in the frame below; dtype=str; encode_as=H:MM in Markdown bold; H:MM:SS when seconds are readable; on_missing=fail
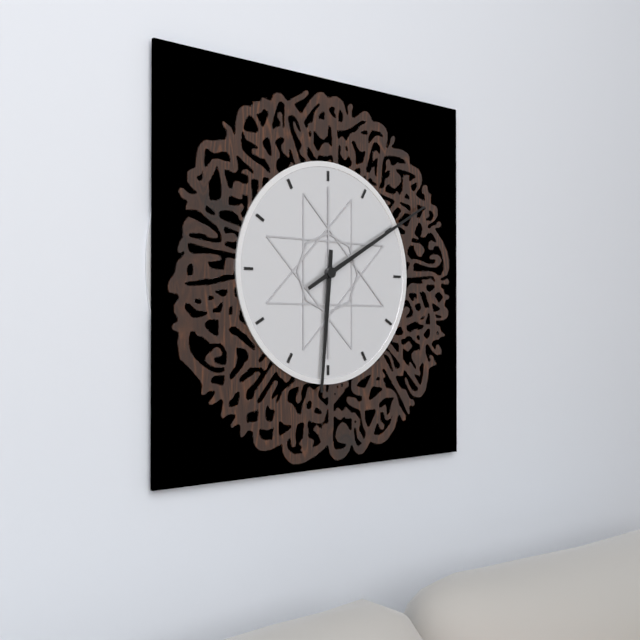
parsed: **6:10**
